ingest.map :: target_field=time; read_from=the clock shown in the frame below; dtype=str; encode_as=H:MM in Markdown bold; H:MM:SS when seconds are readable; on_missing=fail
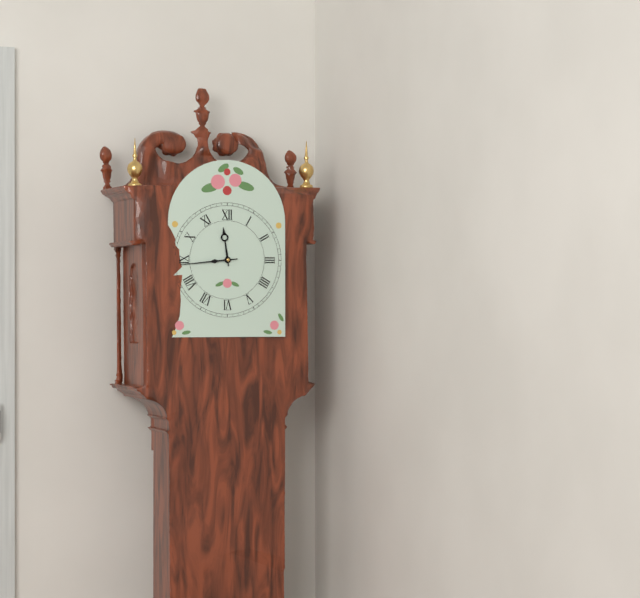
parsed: **11:44**
